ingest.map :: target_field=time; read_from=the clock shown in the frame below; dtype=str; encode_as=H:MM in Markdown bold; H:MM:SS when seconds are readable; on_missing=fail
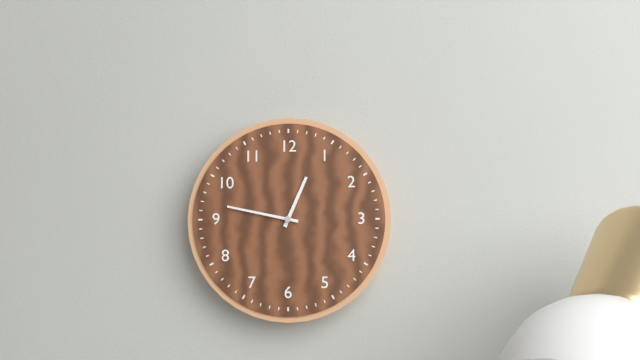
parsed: **12:47**
